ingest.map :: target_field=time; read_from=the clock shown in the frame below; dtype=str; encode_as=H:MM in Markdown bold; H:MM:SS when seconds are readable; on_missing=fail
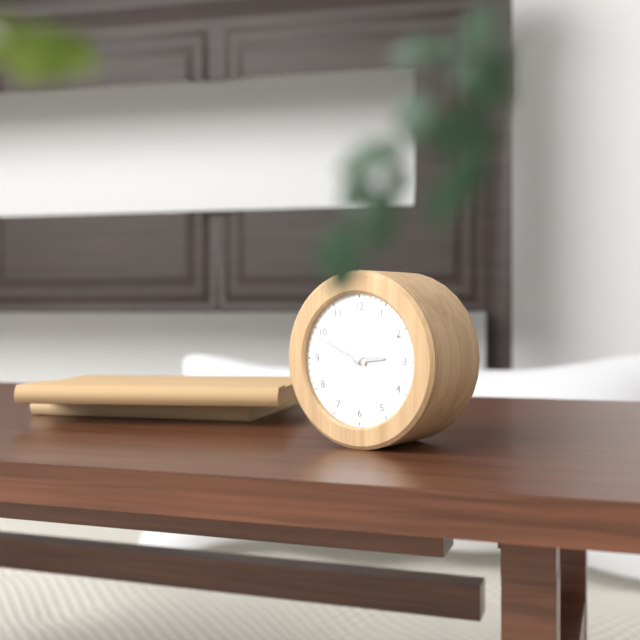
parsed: **2:49:10**
